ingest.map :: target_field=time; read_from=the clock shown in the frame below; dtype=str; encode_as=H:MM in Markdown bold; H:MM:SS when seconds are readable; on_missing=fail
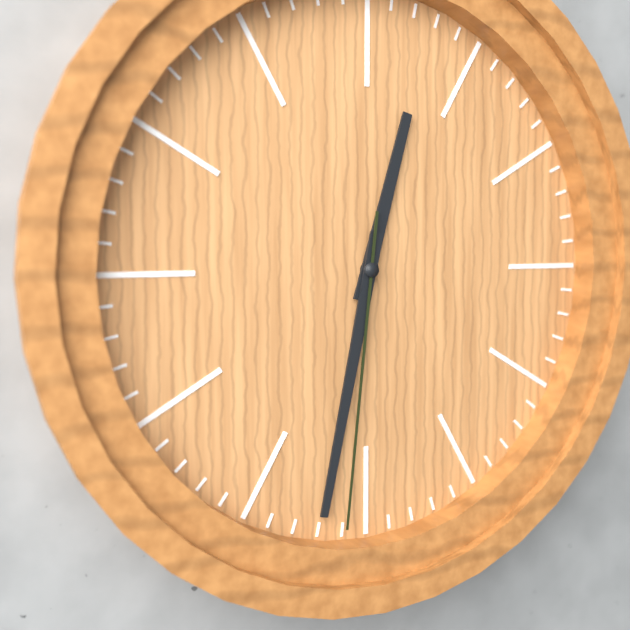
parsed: **12:32:31**
